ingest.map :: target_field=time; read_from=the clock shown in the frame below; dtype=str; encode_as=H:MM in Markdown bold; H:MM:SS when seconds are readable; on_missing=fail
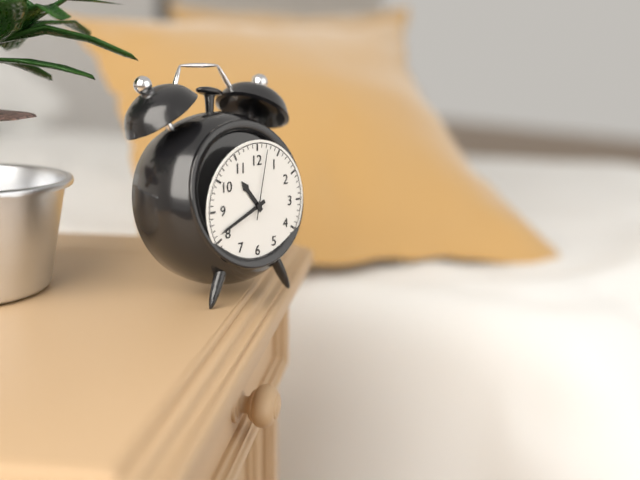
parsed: **10:41:02**
